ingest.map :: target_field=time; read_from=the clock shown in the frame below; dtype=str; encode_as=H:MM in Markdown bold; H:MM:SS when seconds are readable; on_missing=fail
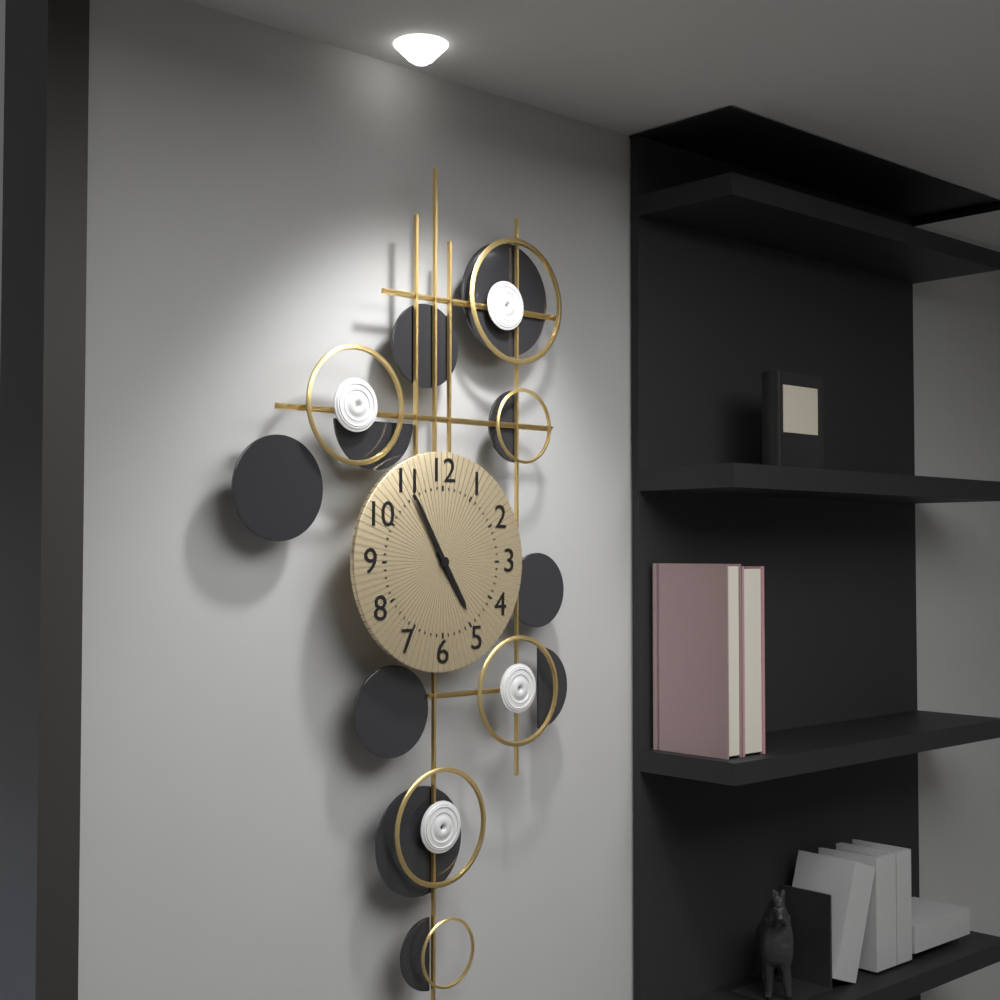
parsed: **4:55**
